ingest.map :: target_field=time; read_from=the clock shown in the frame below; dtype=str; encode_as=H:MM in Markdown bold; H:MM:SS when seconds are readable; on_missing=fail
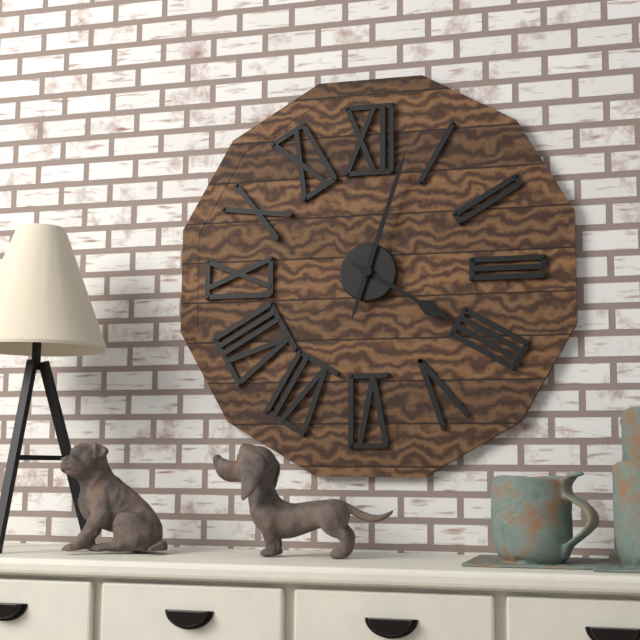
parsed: **4:03**
